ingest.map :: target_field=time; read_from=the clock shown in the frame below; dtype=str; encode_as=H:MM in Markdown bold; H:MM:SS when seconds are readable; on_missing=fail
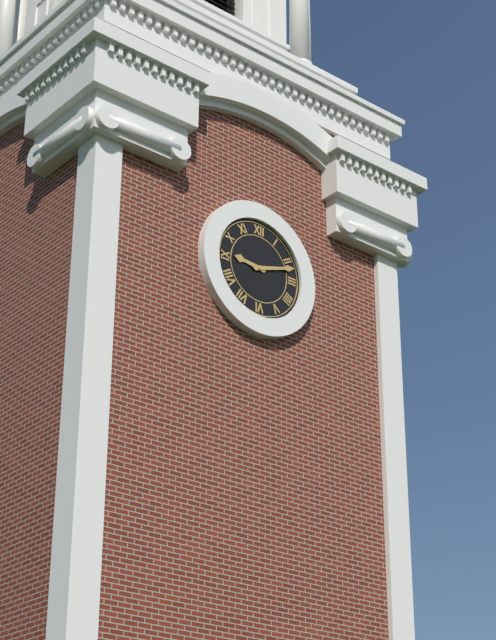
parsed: **9:12**
